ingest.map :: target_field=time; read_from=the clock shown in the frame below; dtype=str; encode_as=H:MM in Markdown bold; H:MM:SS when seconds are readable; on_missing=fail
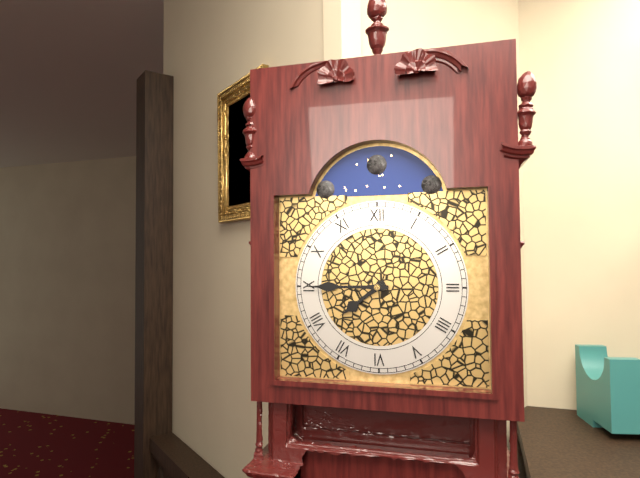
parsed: **7:45**
